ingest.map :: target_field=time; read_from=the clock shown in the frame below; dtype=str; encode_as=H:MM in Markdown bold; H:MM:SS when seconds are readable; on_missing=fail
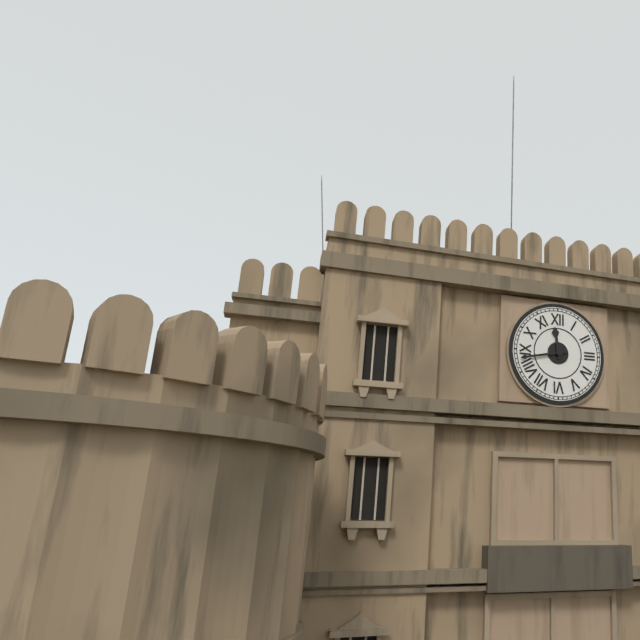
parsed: **11:43**
